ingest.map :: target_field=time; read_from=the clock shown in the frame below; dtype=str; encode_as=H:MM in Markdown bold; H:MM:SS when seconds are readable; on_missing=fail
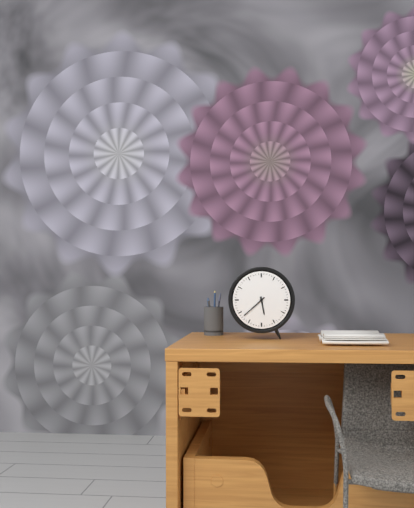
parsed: **5:38**
